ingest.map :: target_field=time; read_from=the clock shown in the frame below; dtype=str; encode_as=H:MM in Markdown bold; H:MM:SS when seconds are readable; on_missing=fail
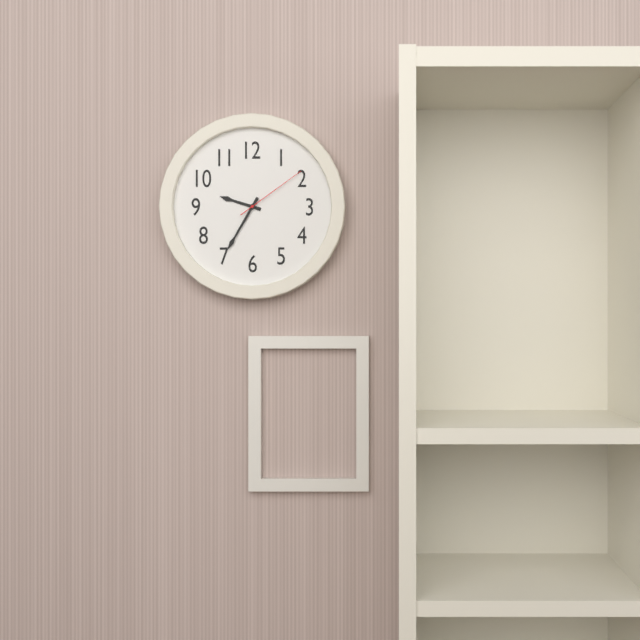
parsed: **9:35:09**
